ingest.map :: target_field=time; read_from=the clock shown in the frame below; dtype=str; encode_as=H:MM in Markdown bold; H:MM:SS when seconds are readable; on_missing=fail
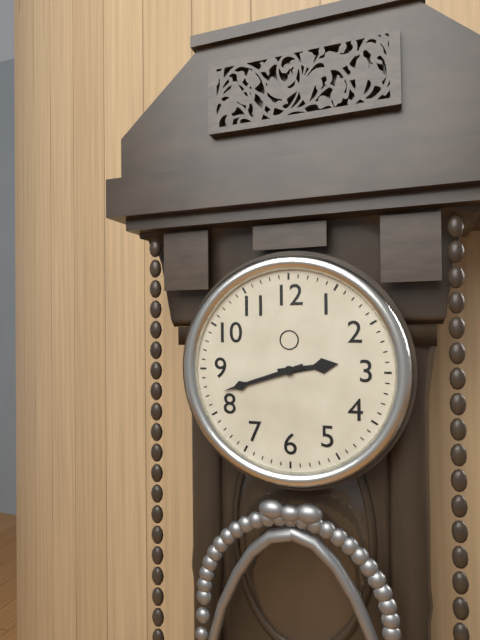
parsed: **2:42**
